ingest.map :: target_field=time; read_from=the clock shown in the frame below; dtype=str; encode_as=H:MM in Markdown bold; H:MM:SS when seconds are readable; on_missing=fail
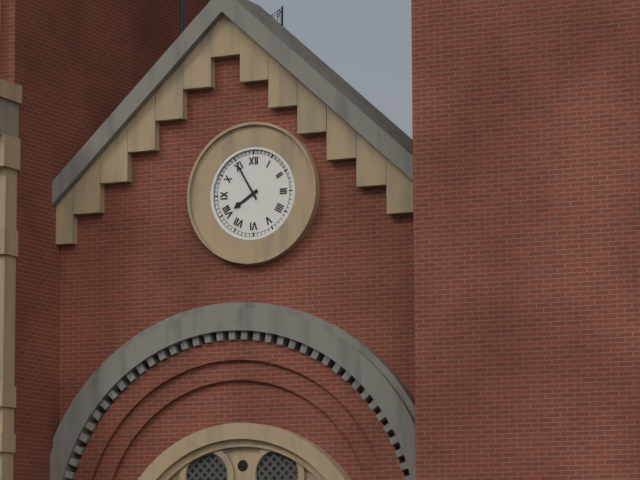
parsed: **7:55**
